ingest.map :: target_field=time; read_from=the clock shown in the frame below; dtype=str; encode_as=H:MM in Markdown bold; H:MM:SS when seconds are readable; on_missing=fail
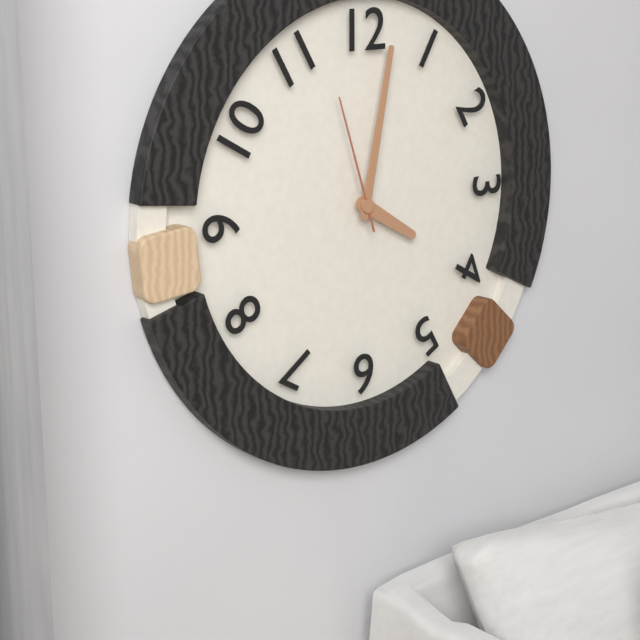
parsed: **4:02:57**
